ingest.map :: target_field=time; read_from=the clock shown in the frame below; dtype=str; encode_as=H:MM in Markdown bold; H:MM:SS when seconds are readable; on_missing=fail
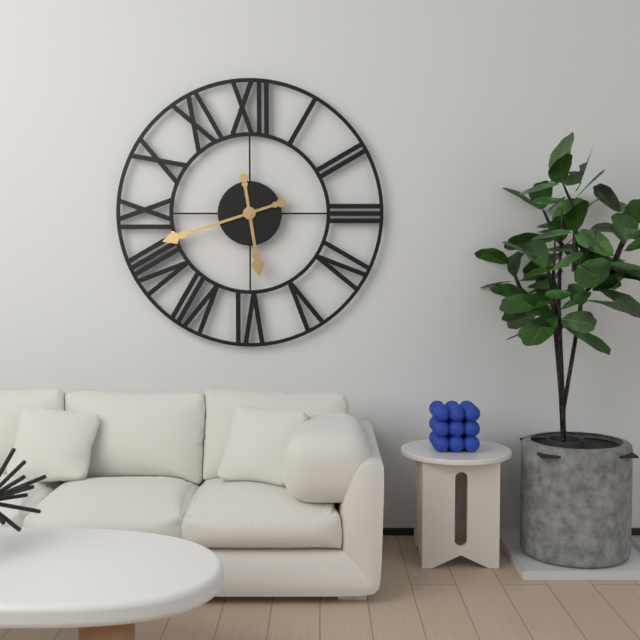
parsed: **5:42**
